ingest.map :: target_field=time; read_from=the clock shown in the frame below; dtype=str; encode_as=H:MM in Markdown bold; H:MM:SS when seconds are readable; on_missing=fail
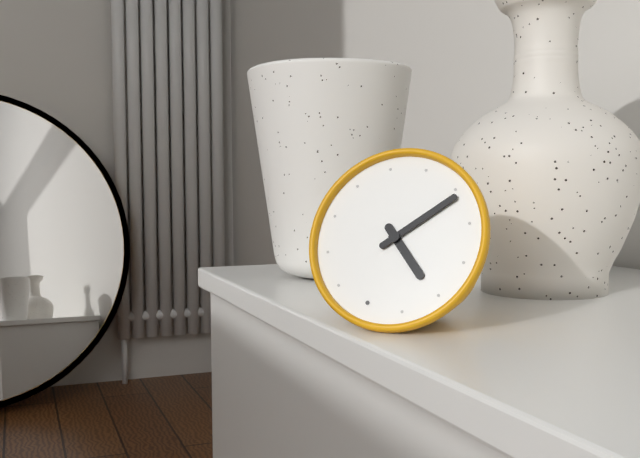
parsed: **4:06**
